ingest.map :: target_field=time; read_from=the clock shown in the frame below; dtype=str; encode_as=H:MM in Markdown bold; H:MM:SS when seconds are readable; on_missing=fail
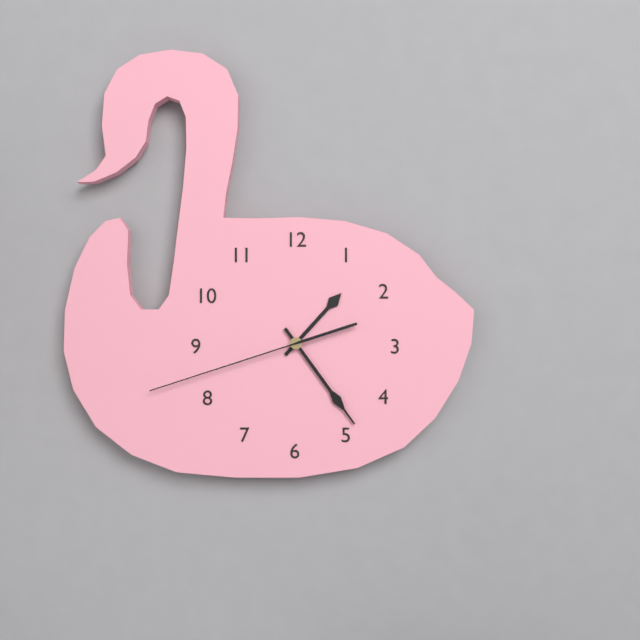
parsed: **1:24:42**
